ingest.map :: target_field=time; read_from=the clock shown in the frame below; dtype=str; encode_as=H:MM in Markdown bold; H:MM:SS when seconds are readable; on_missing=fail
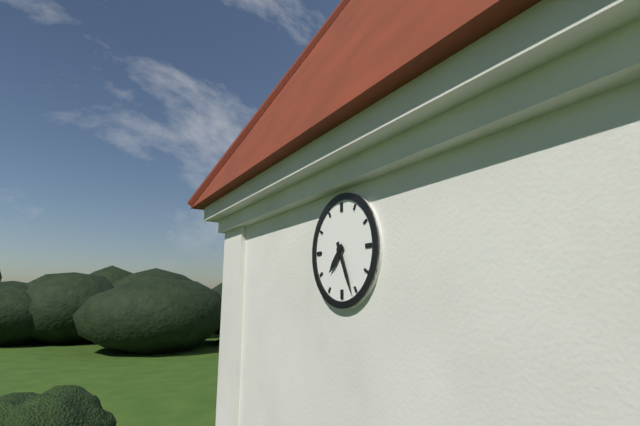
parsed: **7:26**
